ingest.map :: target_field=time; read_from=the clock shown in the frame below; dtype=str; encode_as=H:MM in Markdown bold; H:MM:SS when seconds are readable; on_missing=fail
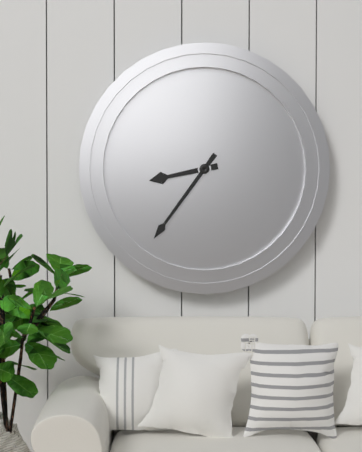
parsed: **8:36**
